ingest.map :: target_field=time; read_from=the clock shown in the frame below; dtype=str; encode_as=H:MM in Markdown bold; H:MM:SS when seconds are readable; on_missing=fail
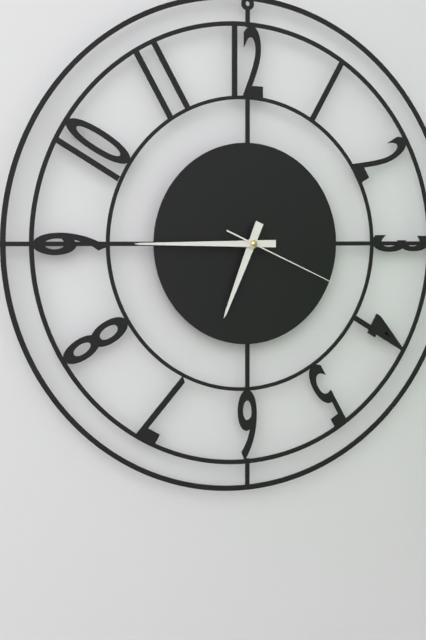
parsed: **6:45:19**
